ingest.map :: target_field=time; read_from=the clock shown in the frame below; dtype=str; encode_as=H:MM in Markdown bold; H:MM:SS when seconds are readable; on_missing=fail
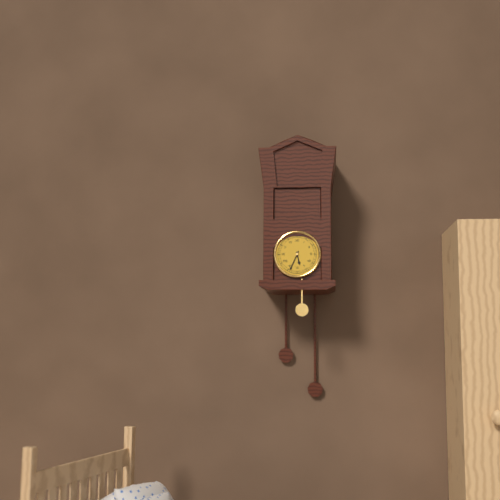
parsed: **5:34**
